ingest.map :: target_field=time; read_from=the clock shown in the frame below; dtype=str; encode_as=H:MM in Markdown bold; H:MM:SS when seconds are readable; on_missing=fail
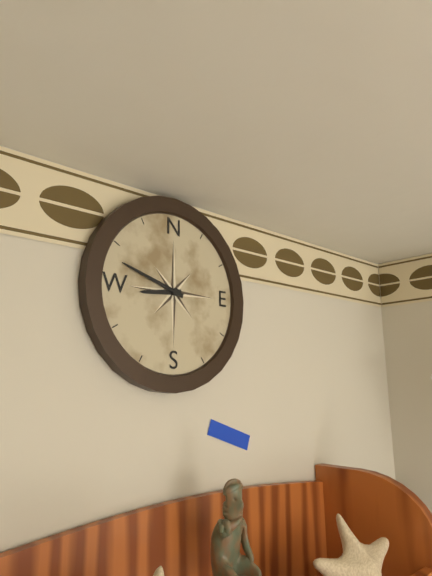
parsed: **8:48**
